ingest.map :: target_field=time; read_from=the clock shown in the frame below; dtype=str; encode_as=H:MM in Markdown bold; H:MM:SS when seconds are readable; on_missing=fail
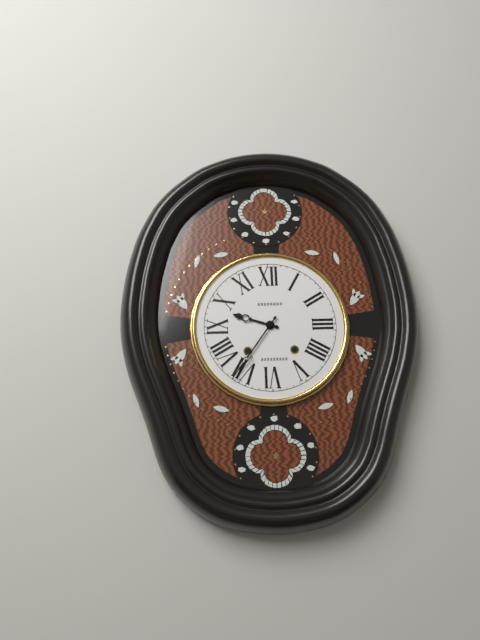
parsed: **9:36**
